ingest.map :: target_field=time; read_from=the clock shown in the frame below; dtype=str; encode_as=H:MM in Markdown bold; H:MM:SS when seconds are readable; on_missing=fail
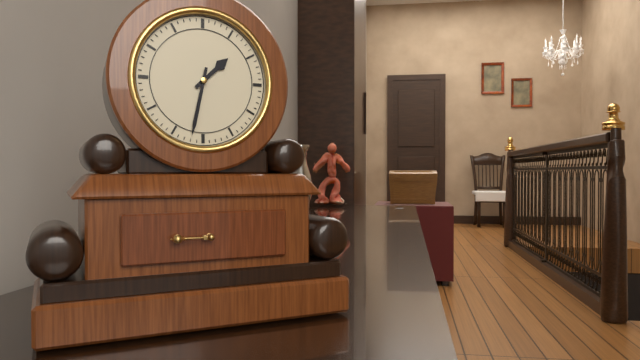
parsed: **1:32**
